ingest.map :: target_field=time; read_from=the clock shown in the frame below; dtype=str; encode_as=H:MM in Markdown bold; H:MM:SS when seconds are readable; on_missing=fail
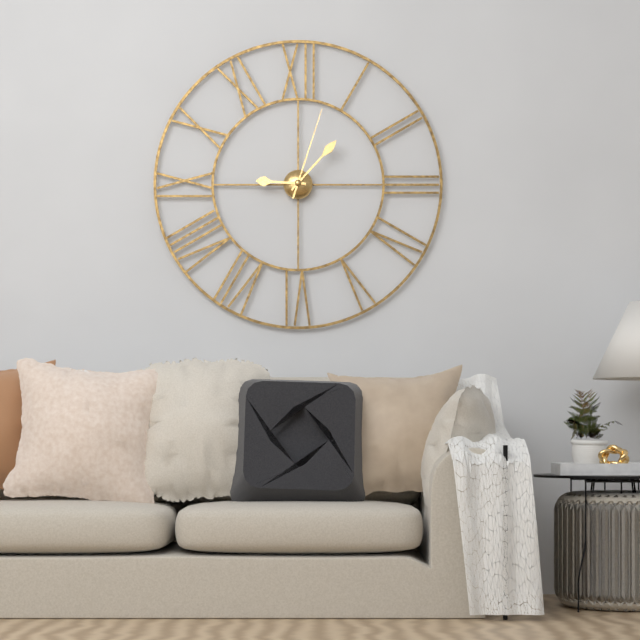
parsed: **9:07:03**
